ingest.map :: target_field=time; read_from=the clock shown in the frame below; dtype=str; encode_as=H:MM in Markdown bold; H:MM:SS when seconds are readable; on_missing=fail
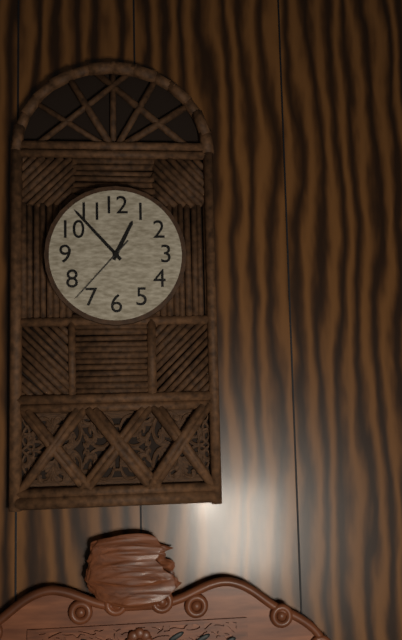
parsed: **12:53:37**
